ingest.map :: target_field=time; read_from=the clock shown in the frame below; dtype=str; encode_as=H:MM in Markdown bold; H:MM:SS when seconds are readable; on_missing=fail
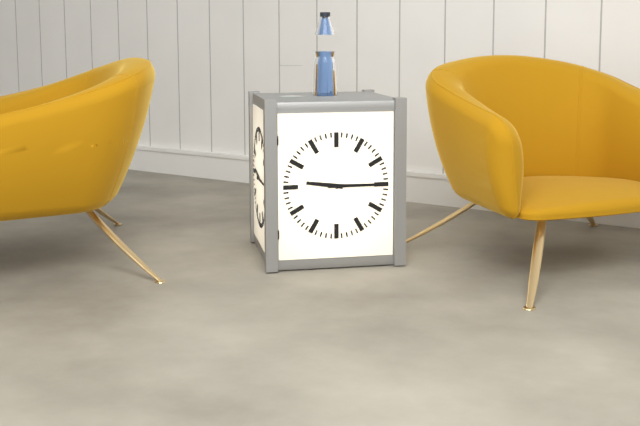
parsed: **9:15**
